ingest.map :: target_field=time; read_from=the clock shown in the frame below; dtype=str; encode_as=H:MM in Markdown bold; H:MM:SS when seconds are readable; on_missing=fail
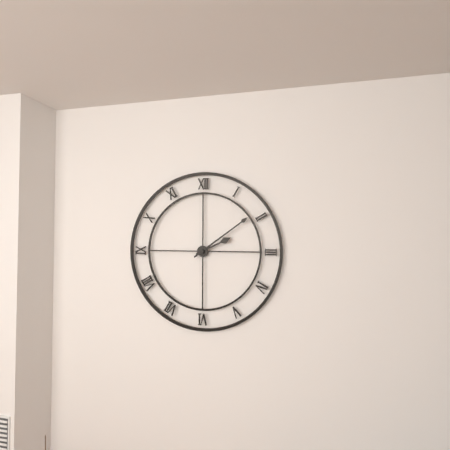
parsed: **2:09**
